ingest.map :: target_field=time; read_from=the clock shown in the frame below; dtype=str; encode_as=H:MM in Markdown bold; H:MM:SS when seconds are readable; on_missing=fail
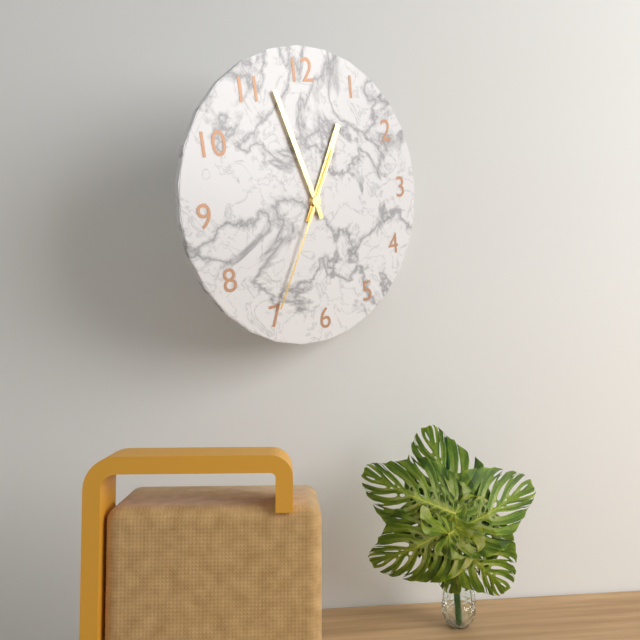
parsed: **12:57:35**
